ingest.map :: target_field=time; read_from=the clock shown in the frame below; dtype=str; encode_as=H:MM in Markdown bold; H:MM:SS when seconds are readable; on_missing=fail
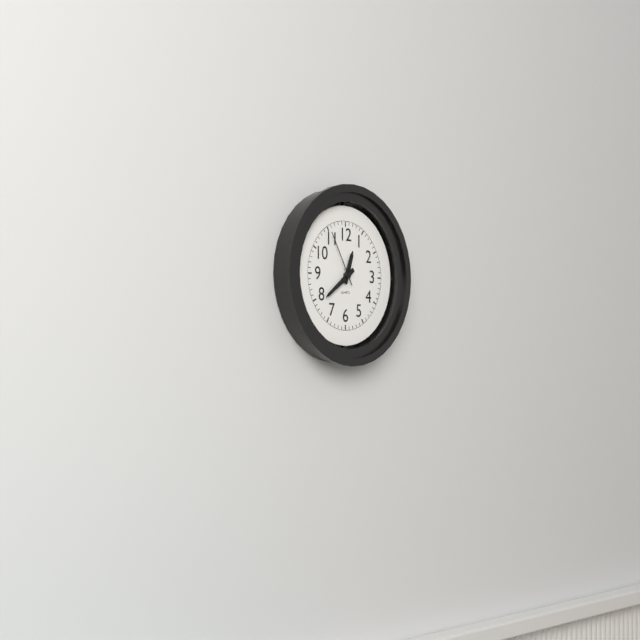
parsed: **12:39:55**
